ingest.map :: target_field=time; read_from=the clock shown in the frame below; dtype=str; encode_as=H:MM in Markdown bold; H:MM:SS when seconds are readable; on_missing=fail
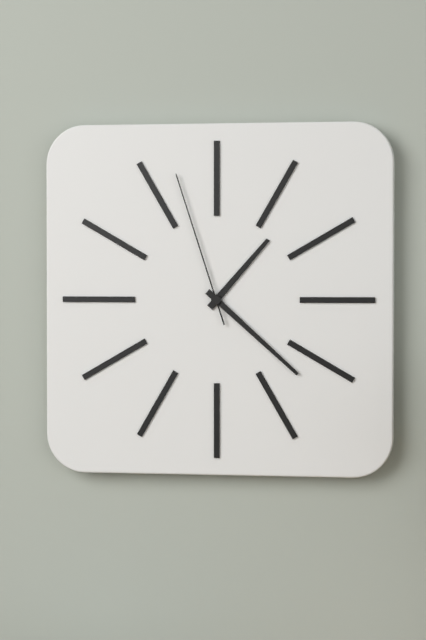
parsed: **1:22:57**
